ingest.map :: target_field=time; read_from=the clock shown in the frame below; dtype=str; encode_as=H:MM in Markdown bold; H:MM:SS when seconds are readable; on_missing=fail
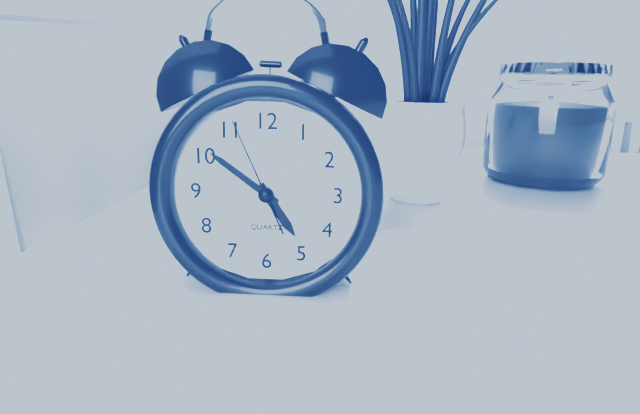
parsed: **4:51:56**
